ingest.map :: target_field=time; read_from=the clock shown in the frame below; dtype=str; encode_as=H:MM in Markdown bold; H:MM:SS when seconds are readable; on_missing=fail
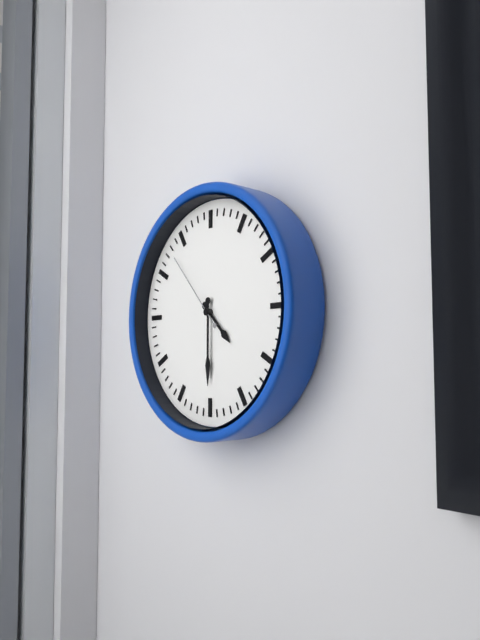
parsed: **4:30:53**
